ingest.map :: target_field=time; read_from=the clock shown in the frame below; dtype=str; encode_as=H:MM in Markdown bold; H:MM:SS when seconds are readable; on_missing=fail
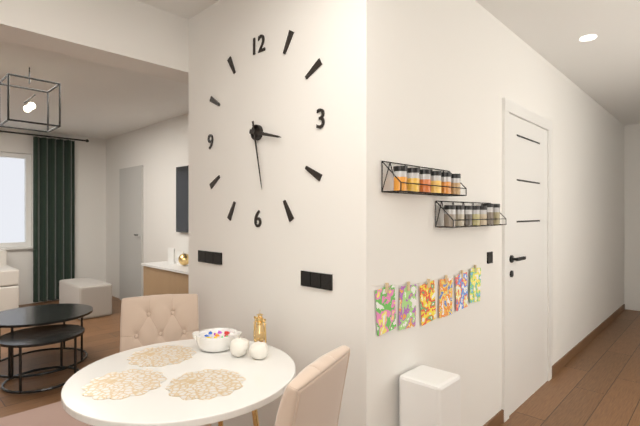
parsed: **3:28**
